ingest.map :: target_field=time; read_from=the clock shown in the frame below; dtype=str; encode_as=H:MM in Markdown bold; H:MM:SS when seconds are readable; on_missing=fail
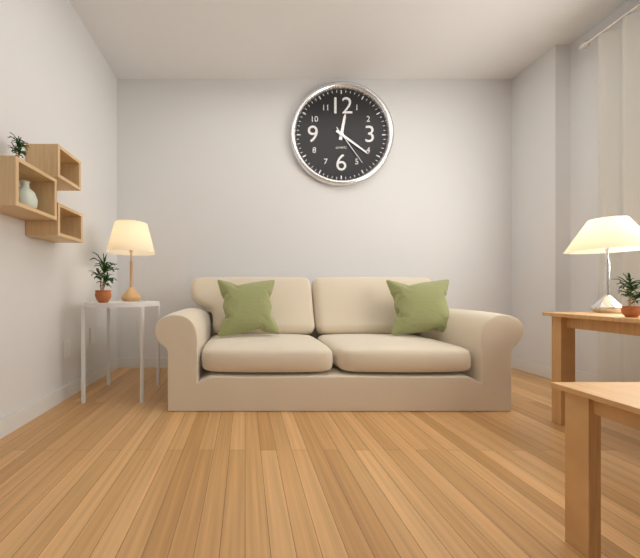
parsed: **12:21**
